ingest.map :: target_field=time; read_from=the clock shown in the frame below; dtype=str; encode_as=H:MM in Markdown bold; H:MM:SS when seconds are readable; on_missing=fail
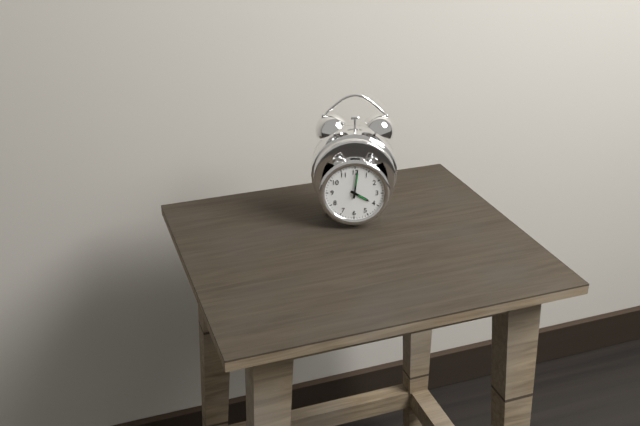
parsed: **4:01**
